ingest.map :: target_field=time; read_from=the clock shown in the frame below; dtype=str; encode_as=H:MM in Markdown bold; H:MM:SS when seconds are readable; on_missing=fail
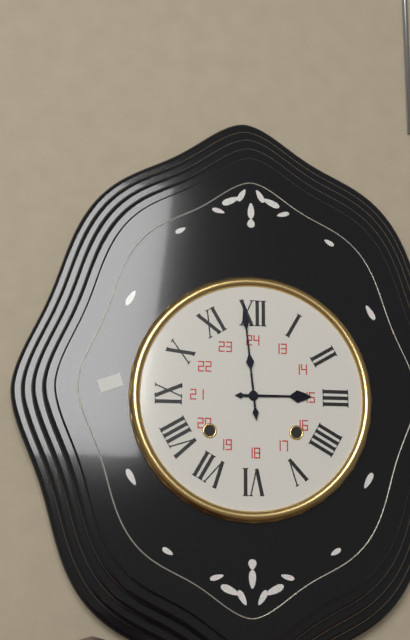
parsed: **2:59**
